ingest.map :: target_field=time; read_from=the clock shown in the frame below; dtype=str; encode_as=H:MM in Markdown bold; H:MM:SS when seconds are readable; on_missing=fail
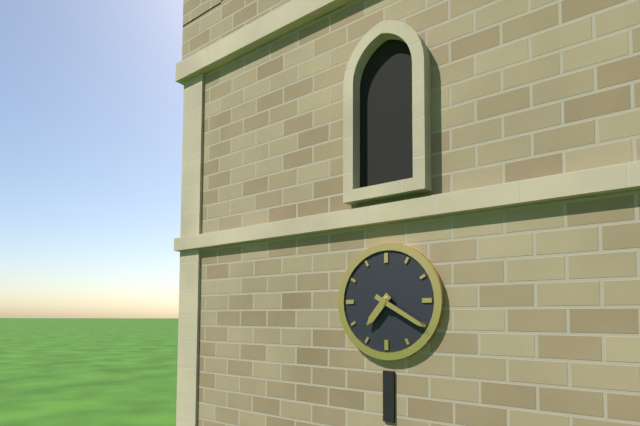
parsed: **7:20**
